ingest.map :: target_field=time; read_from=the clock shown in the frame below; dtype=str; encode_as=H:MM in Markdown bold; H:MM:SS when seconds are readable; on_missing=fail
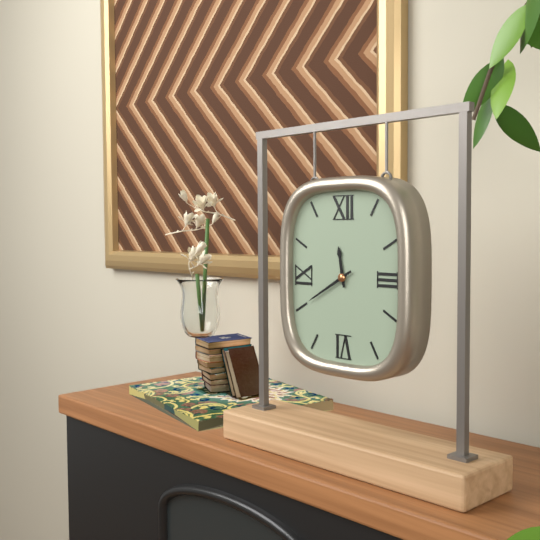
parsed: **11:40**
